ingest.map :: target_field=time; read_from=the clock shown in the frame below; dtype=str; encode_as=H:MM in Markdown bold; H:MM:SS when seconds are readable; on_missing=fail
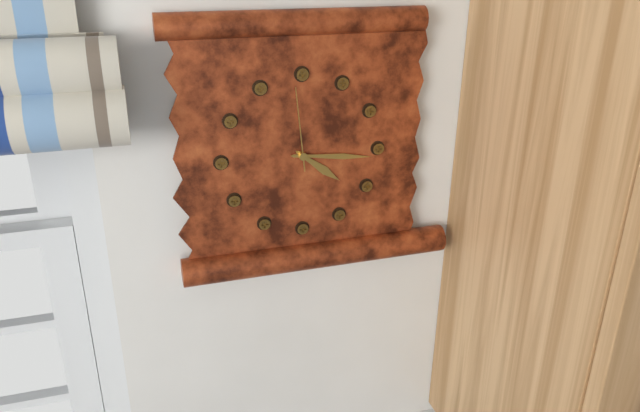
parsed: **4:16:59**
